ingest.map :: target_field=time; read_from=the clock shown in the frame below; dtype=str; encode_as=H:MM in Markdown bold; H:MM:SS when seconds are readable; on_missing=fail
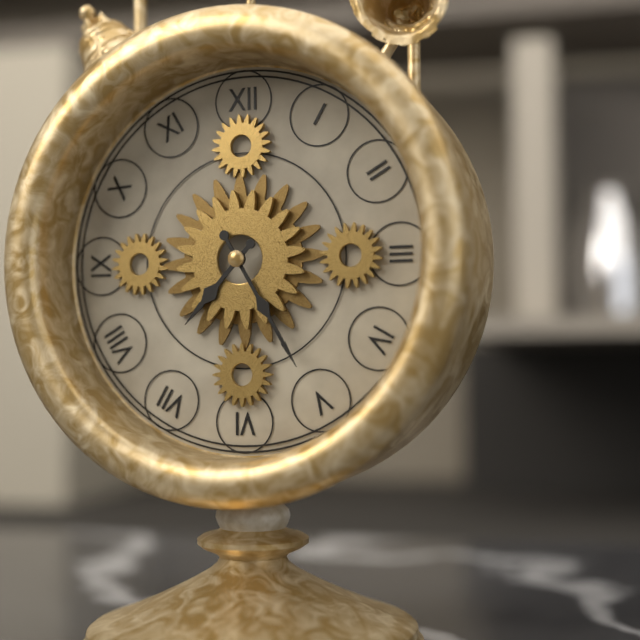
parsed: **7:25**
